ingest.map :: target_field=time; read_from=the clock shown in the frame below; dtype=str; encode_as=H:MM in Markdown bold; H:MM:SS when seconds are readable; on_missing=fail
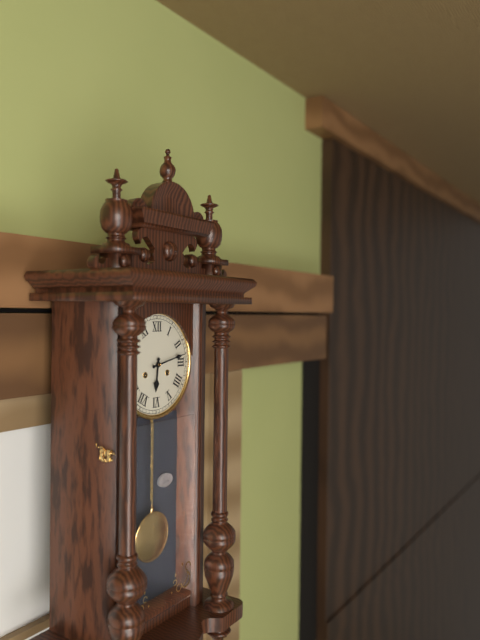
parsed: **6:13**
